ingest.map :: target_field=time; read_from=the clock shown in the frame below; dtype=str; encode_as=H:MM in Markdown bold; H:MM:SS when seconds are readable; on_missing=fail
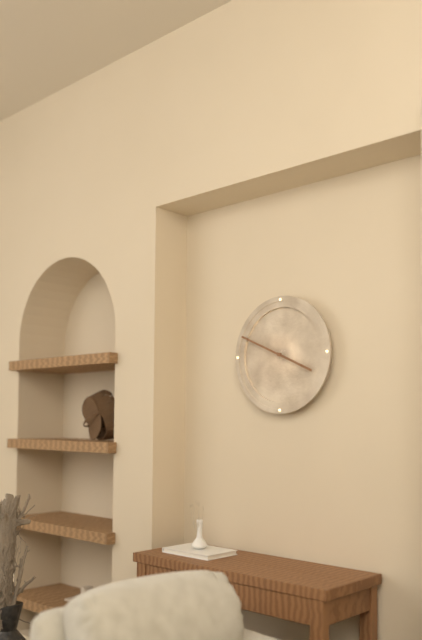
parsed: **3:49**
